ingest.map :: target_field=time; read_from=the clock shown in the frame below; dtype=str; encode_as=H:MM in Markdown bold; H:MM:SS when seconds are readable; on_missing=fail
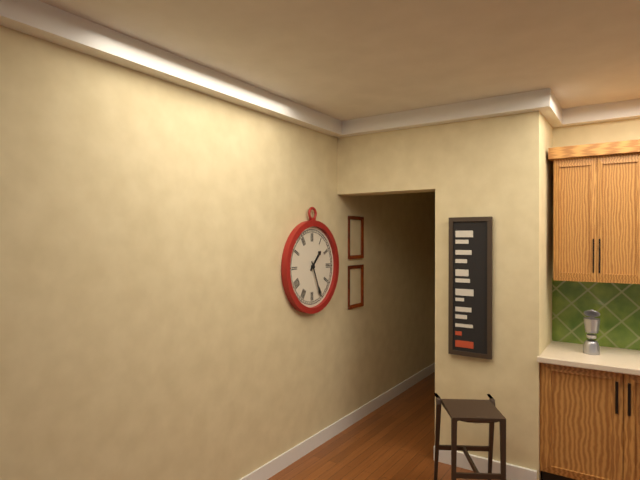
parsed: **1:26**
